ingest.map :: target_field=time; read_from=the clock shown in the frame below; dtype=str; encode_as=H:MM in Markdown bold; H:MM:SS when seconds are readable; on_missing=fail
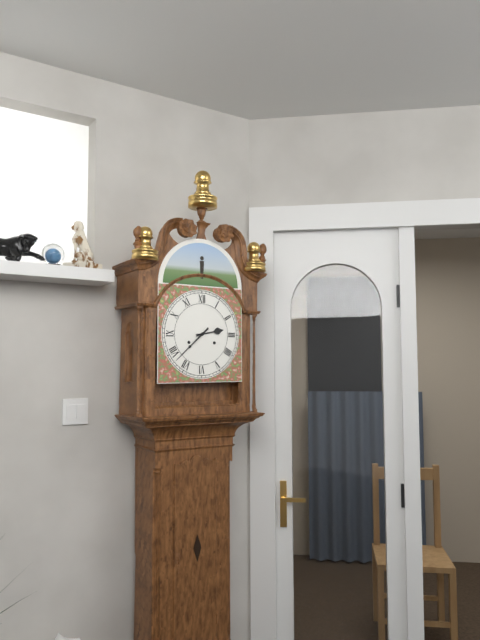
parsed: **2:38**
